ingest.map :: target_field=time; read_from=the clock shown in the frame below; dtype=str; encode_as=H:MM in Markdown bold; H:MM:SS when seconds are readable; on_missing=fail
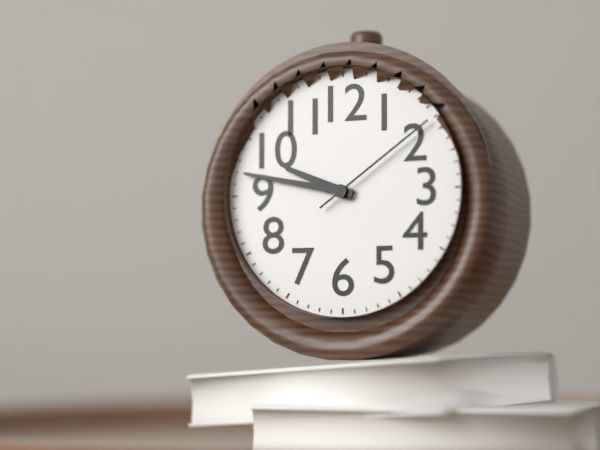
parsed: **9:47:09**
